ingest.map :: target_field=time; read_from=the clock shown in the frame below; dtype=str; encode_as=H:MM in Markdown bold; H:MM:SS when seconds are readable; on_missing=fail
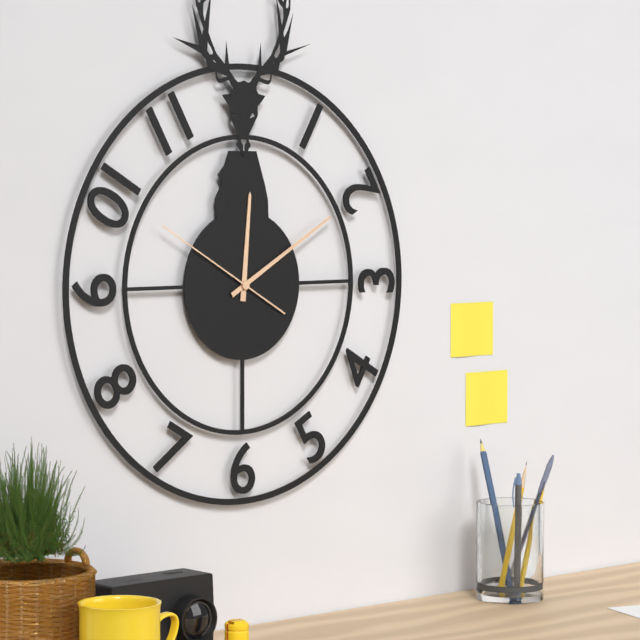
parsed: **12:10:50**
